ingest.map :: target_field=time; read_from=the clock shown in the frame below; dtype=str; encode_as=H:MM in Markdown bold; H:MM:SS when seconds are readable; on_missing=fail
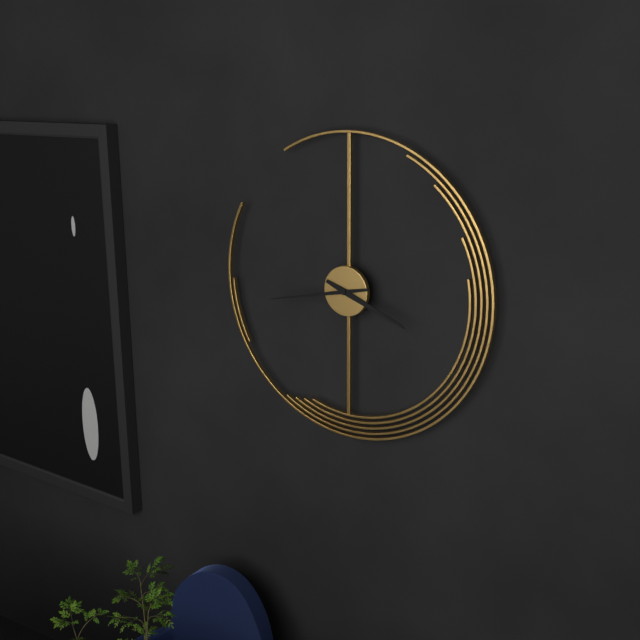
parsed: **3:43**
